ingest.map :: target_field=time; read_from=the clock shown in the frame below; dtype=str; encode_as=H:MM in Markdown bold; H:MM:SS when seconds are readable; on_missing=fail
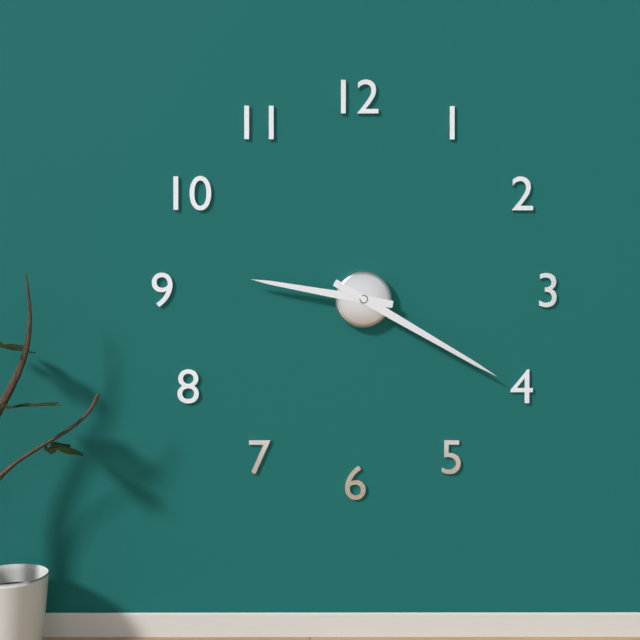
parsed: **9:20**
